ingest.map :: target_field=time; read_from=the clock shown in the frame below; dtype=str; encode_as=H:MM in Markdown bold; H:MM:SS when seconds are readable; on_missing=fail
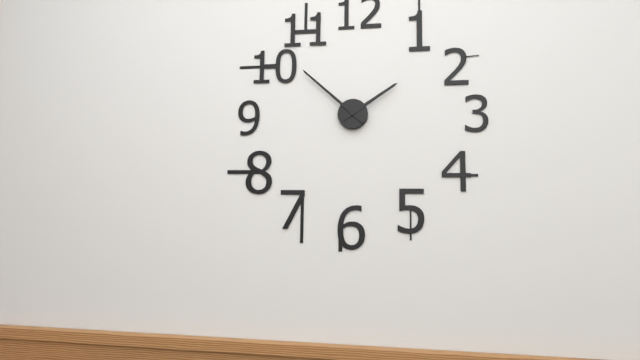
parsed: **1:52**
